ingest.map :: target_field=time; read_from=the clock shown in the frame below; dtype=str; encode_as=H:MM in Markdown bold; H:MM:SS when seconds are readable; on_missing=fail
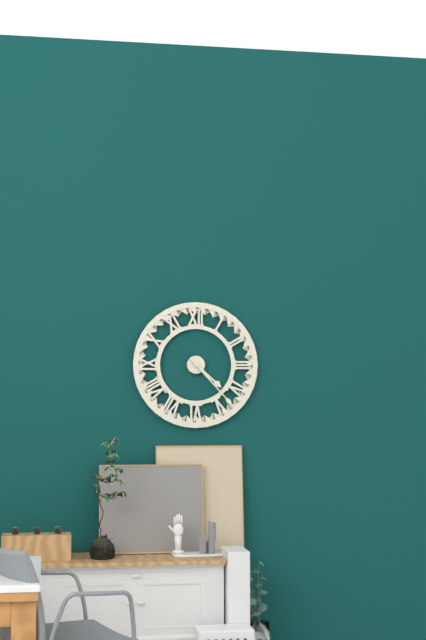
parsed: **4:23**
